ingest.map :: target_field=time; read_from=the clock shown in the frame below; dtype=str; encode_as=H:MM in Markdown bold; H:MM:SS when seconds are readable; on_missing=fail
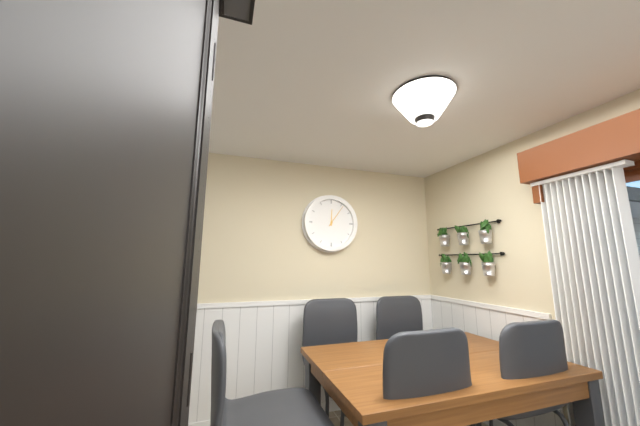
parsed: **12:06**
